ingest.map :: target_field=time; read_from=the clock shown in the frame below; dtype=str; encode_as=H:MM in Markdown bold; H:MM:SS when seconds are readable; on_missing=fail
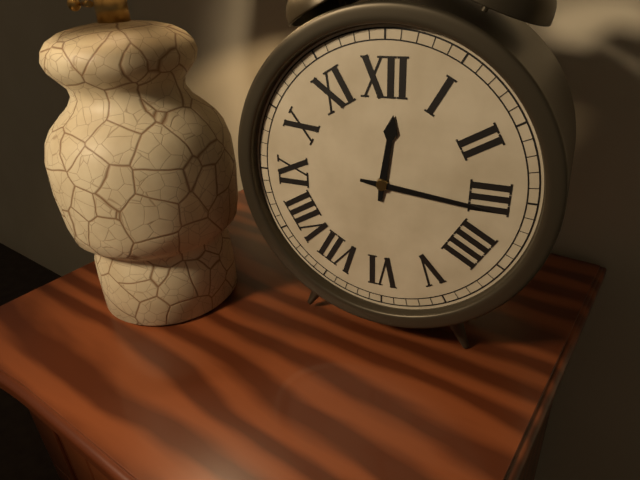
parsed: **12:16**
